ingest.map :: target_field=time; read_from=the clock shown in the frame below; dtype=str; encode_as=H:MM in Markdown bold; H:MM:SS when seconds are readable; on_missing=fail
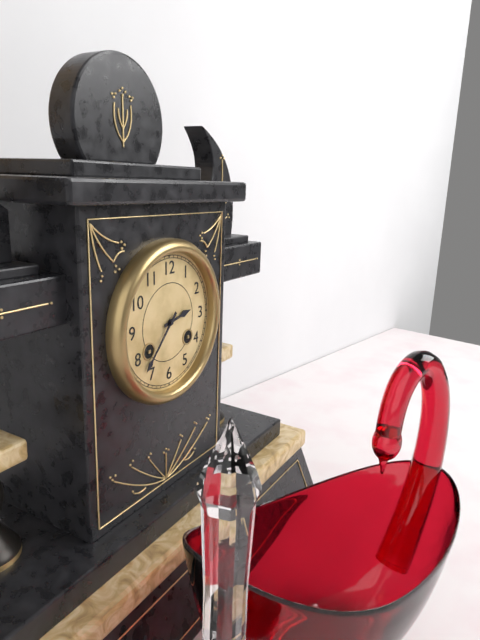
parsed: **2:37**
